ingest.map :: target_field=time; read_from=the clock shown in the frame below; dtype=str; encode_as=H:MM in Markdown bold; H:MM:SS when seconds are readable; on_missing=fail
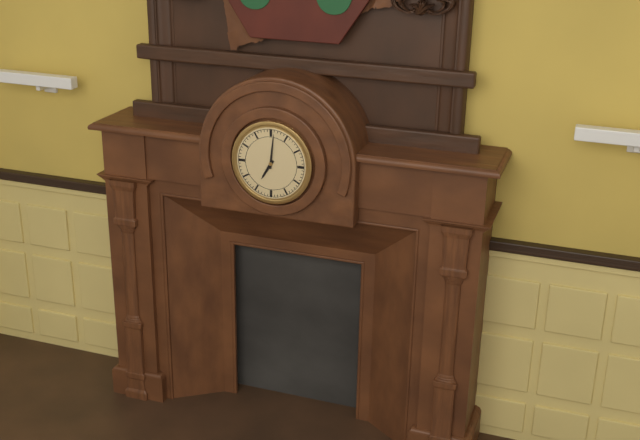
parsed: **7:01**
